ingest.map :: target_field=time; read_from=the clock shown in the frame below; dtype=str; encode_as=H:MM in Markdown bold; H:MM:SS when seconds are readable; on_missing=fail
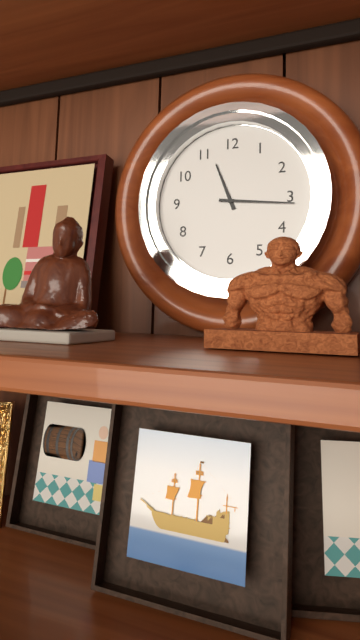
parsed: **11:16**
